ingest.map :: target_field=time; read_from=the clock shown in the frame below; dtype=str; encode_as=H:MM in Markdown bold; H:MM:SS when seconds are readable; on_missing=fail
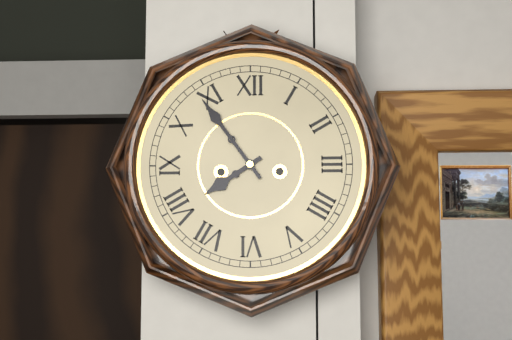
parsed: **7:54**
